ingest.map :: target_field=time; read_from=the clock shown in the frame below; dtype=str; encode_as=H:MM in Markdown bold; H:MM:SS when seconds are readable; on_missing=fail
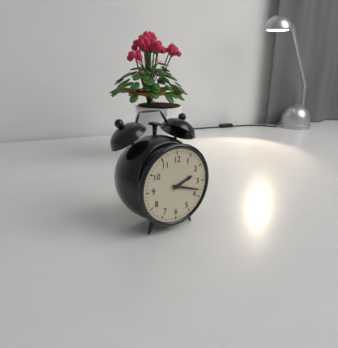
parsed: **2:18**
